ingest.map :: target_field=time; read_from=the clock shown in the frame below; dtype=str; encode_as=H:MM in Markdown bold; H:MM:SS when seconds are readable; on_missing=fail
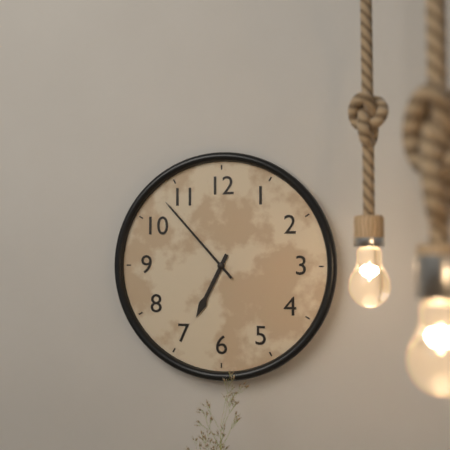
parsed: **6:53**
